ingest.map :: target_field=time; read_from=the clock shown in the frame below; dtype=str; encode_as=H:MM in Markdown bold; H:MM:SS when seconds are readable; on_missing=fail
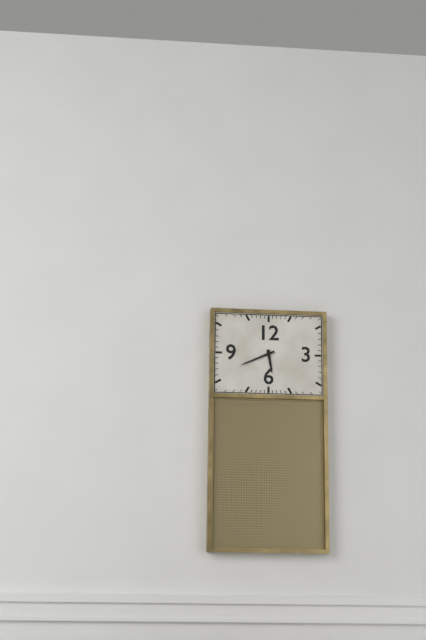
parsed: **5:41**
